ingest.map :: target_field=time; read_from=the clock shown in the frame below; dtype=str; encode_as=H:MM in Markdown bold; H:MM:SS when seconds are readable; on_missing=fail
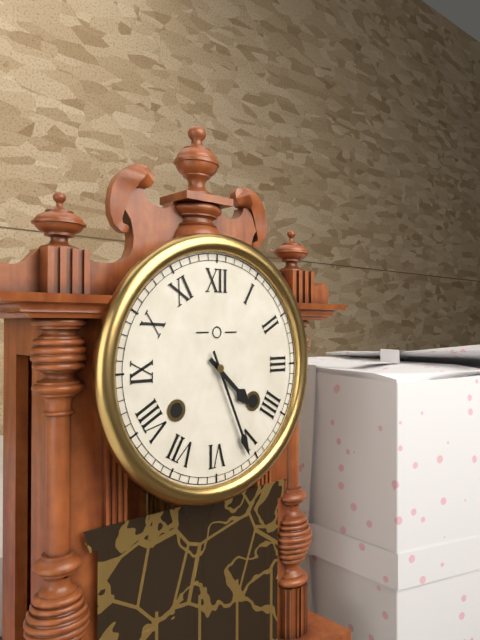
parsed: **4:26**
